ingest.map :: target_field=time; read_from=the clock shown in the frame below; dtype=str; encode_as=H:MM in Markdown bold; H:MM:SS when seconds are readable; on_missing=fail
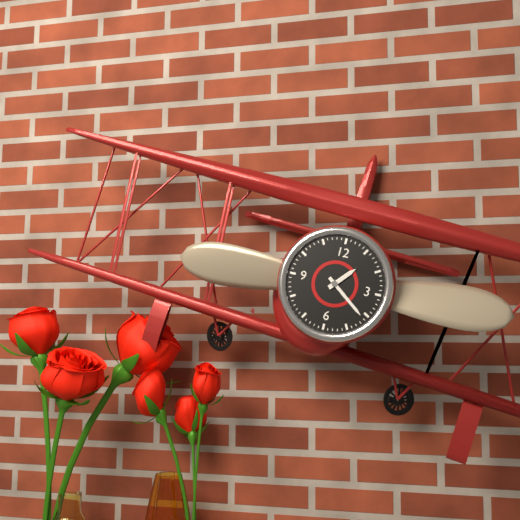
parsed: **1:21**
